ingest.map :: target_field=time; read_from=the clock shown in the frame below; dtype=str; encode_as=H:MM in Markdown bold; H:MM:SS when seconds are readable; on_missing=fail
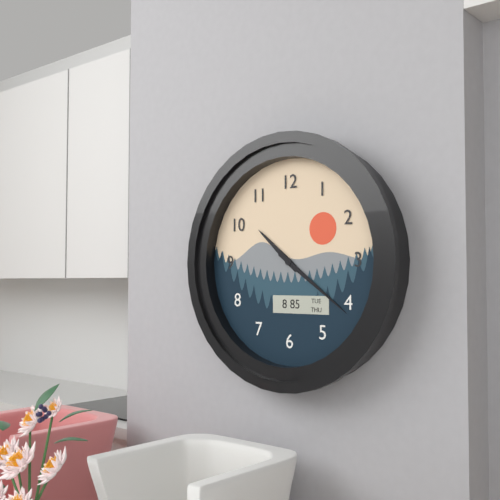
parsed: **10:21**
